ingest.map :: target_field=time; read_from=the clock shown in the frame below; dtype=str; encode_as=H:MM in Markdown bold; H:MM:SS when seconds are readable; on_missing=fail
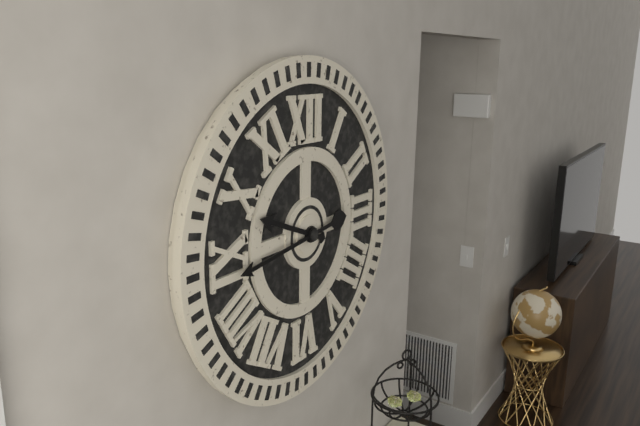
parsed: **9:44**
